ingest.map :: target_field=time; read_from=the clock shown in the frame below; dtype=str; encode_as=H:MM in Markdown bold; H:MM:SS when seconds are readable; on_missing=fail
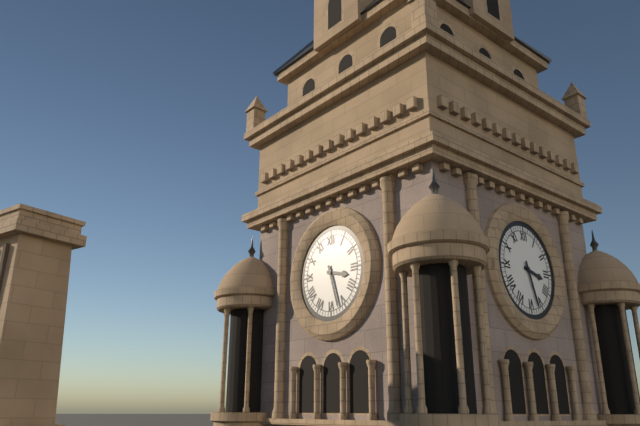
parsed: **3:27**
